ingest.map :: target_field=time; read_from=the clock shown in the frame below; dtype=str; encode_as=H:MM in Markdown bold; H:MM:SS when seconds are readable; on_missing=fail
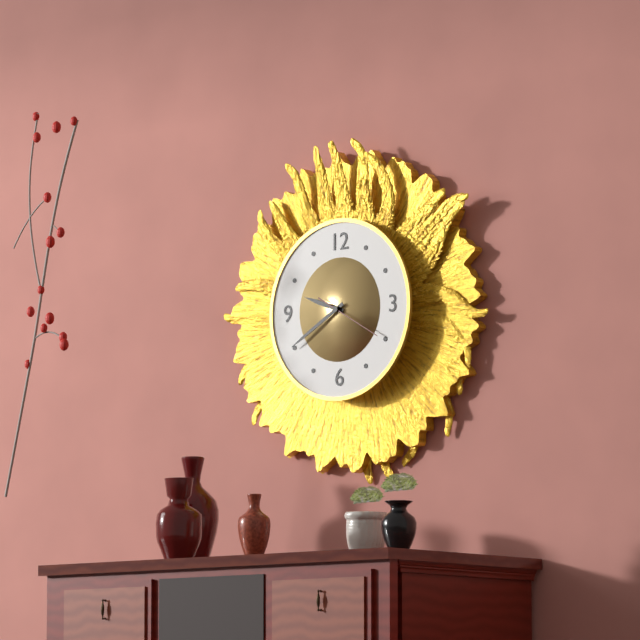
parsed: **9:40:20**
